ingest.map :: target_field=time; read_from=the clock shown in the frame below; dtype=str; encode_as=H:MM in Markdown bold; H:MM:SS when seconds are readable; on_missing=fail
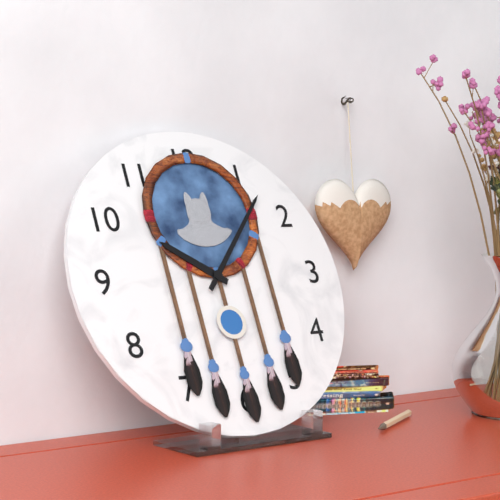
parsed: **10:07**
